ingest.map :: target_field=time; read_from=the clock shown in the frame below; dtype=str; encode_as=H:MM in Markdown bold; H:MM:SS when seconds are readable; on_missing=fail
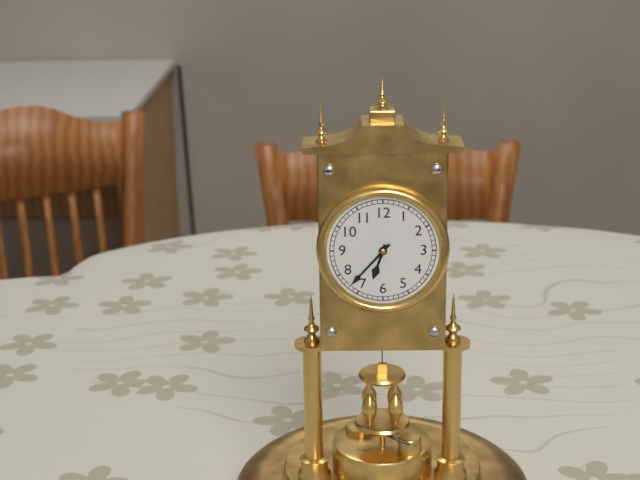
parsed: **6:37**
